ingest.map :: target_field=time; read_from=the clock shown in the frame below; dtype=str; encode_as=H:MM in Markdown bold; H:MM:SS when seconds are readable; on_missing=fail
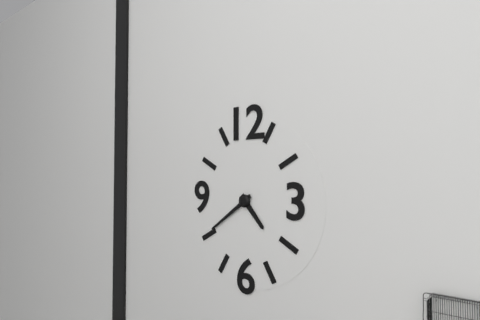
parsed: **4:39**
